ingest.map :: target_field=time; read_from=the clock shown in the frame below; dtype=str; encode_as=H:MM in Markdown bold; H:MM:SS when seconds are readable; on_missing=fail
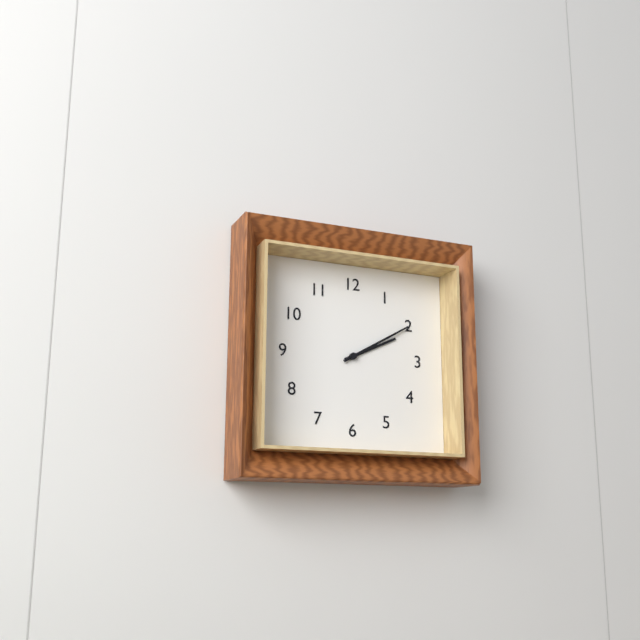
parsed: **2:10**
